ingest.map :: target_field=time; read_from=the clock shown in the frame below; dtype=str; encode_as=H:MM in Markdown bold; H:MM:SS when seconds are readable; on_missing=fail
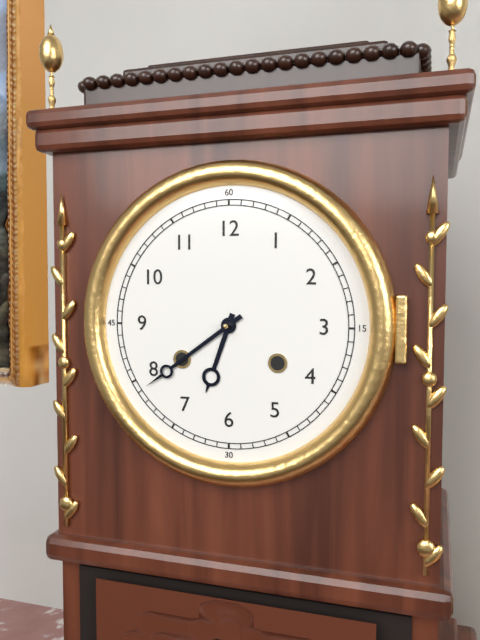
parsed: **6:39**
